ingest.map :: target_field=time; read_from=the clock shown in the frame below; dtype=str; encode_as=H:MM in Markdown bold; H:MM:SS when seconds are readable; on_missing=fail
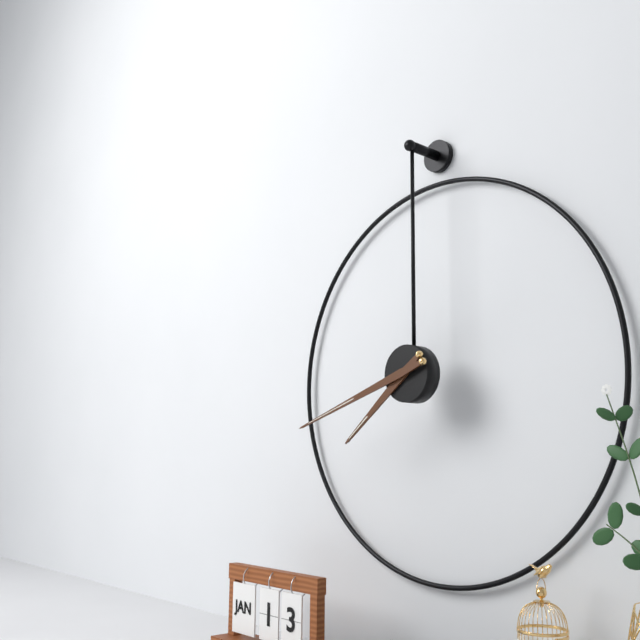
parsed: **7:42**
